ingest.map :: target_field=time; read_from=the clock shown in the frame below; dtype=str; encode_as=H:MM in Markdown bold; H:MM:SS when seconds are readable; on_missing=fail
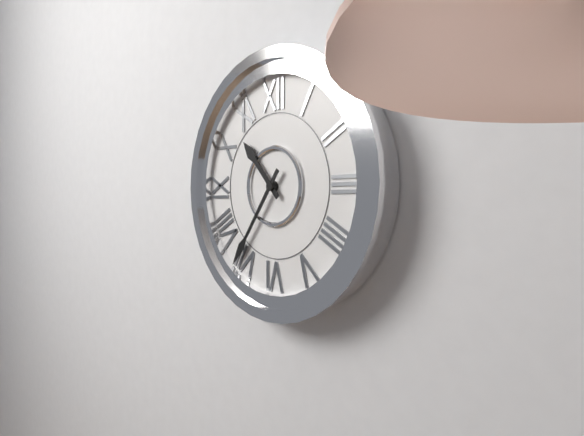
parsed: **10:36**
